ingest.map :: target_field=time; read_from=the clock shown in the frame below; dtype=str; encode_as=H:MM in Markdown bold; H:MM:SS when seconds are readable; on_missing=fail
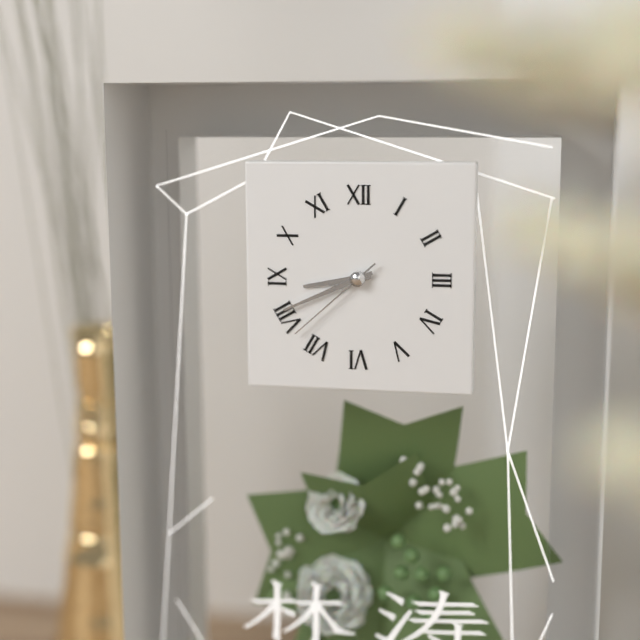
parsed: **8:41:38**
